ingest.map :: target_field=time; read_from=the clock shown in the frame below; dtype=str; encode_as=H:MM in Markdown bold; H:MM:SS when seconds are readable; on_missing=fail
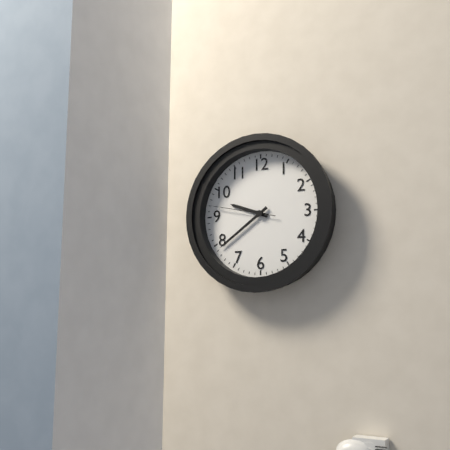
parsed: **9:39:47**
